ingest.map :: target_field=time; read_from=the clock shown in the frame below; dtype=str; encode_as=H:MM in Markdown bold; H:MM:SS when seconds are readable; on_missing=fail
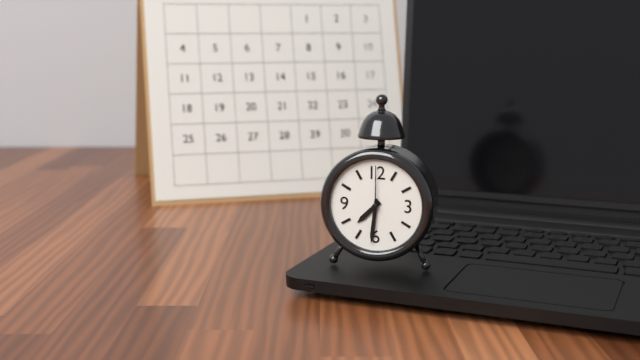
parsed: **7:31**
